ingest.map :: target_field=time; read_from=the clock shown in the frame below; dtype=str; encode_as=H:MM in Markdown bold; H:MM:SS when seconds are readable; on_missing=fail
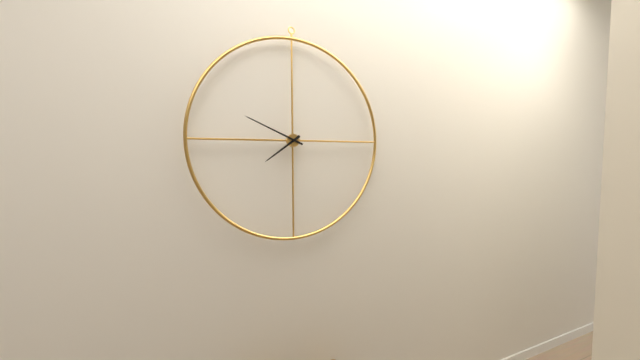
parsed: **7:49**
